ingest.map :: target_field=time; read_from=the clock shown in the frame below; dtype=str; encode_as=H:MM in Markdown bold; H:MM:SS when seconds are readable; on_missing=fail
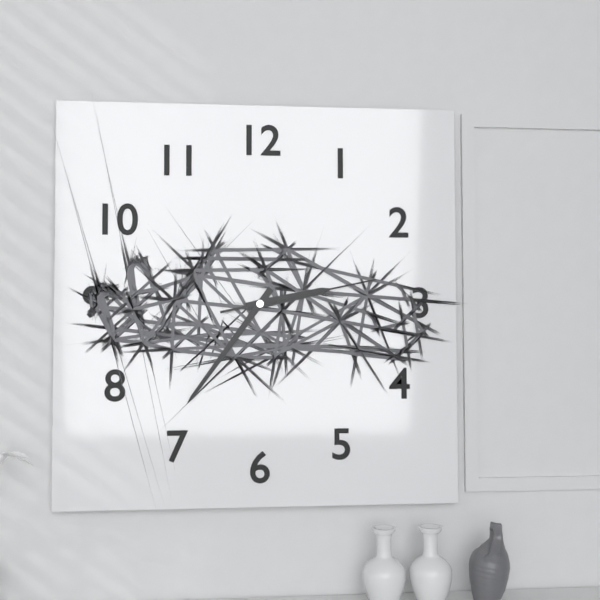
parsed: **2:36:13**
